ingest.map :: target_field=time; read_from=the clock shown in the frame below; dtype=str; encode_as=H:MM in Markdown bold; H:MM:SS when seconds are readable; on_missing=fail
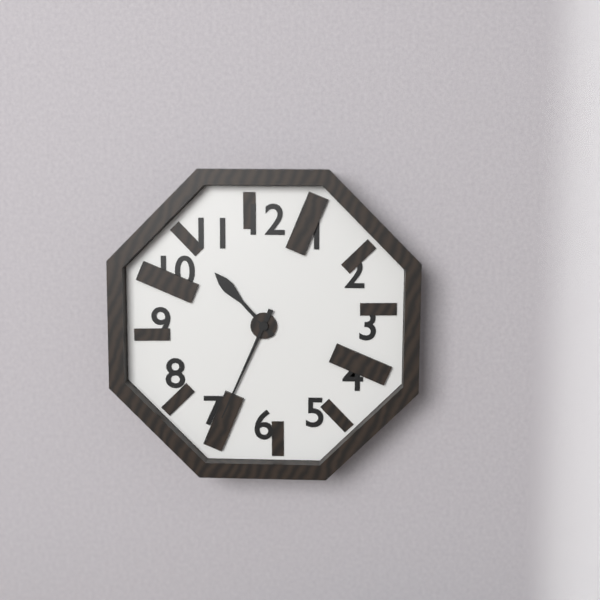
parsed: **10:34**
